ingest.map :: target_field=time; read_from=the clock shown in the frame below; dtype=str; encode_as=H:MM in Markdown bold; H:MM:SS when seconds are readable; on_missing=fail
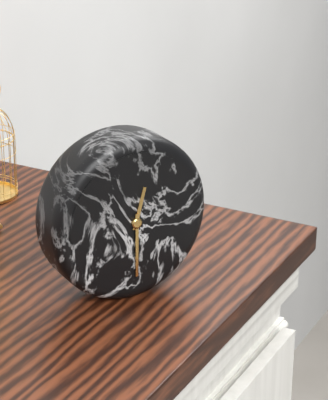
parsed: **12:30**
